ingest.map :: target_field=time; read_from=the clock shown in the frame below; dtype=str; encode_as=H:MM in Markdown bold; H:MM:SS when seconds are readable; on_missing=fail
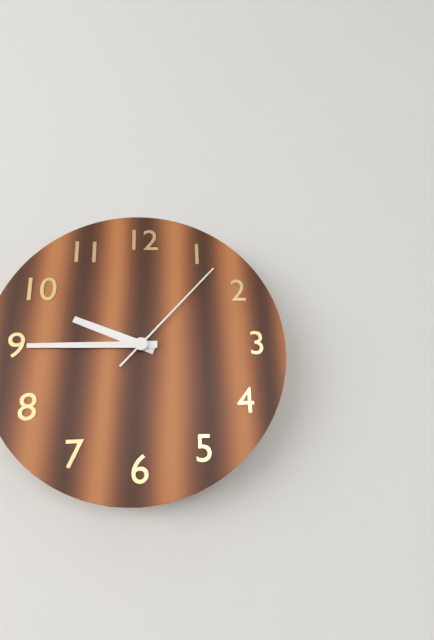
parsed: **9:45:07**
